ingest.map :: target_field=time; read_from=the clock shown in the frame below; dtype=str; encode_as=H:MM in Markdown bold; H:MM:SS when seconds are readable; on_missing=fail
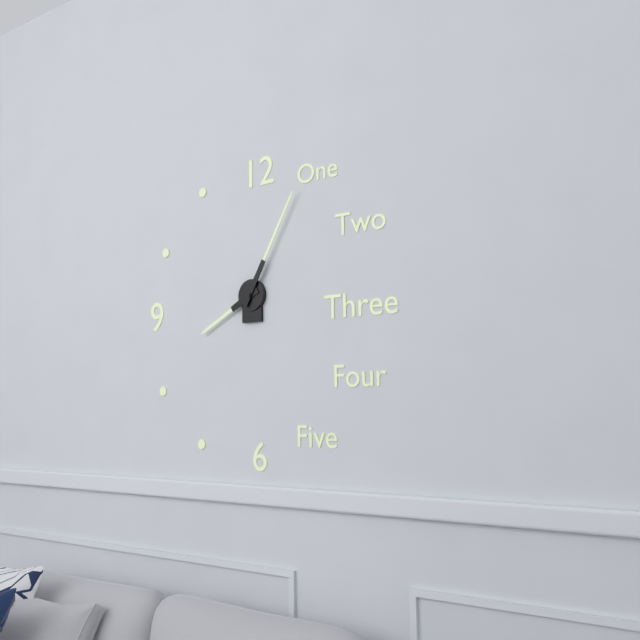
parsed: **8:05**
